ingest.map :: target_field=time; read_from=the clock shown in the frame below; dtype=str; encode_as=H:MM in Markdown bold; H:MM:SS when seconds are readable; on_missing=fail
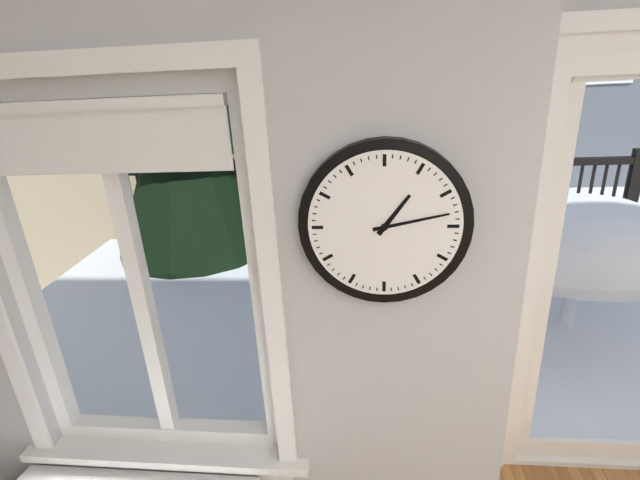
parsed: **1:13**
